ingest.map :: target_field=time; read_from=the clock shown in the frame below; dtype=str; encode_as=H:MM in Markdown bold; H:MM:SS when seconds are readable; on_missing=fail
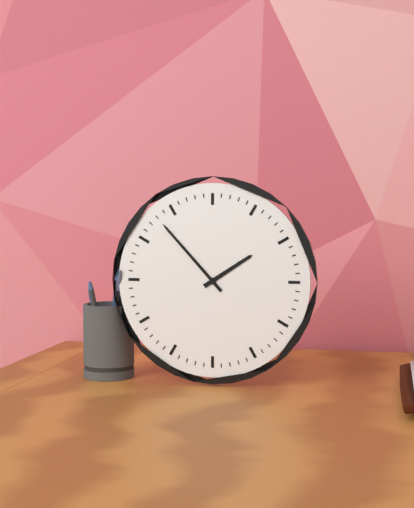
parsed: **1:53**
